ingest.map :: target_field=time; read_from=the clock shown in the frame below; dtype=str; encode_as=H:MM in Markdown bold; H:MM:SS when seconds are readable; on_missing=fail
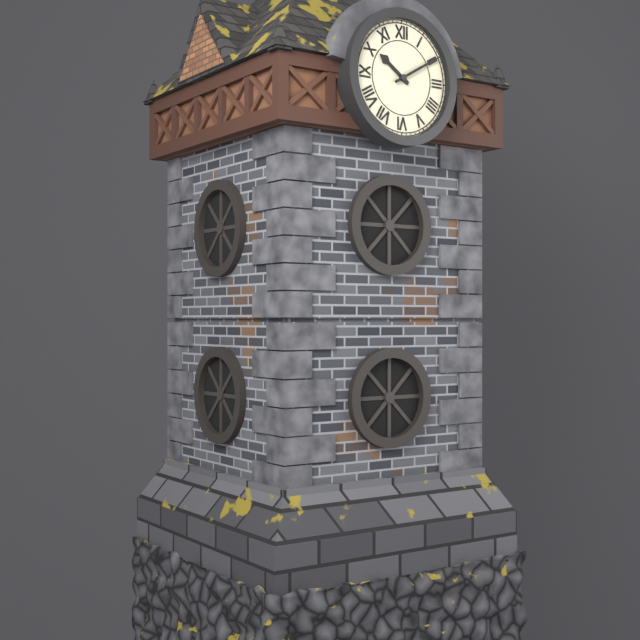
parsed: **10:10**
